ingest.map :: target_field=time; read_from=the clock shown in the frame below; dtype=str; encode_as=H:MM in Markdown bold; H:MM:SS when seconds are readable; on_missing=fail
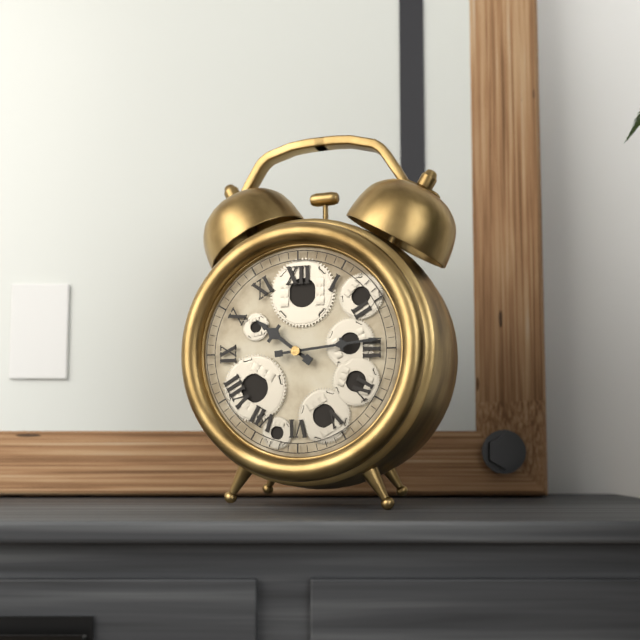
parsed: **10:14**
